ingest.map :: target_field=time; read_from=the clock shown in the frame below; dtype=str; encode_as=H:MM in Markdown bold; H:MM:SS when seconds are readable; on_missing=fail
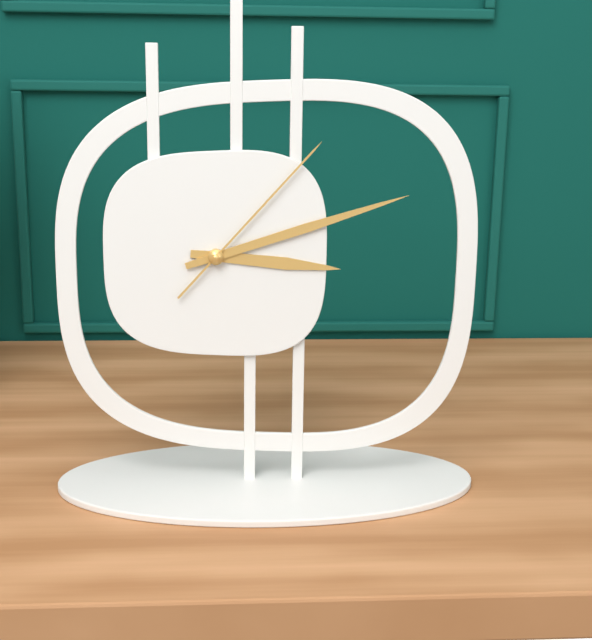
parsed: **3:12:07**
